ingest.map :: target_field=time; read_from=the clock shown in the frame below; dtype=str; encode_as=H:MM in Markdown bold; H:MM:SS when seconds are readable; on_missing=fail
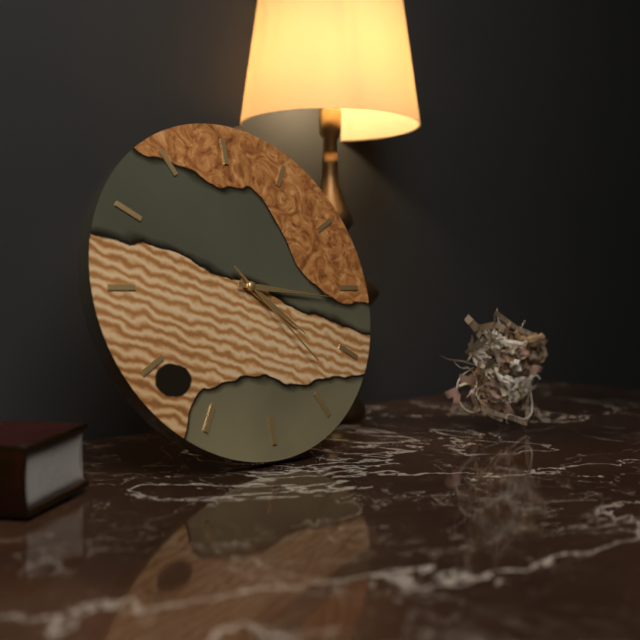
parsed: **4:16:23**
